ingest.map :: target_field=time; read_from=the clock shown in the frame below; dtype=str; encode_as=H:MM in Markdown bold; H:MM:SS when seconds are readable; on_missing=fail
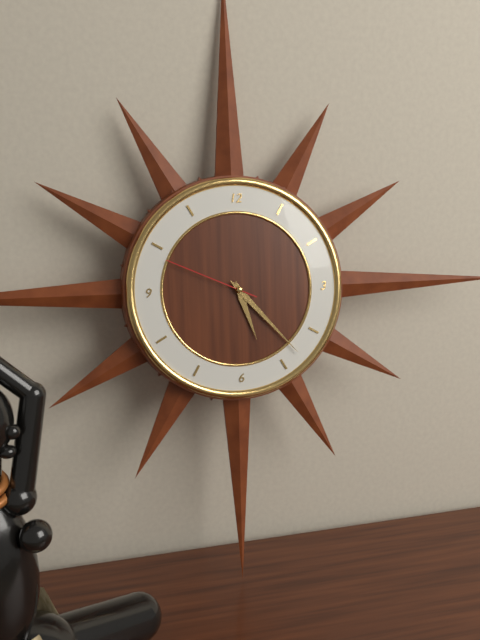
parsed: **5:23:49**
